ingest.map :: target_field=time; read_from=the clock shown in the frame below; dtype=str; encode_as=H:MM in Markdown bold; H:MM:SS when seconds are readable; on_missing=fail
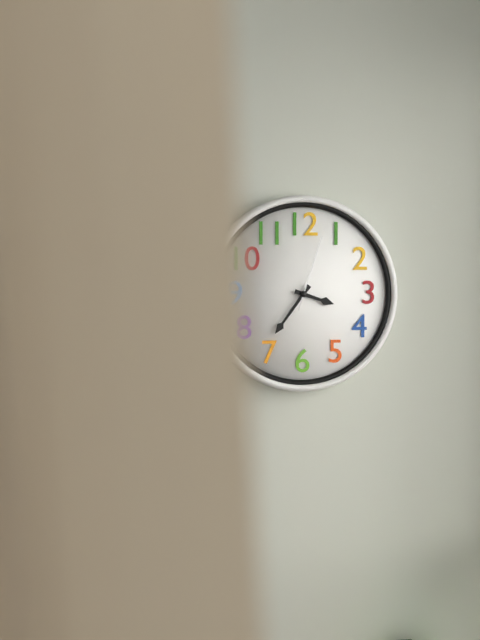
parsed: **3:36:03**
